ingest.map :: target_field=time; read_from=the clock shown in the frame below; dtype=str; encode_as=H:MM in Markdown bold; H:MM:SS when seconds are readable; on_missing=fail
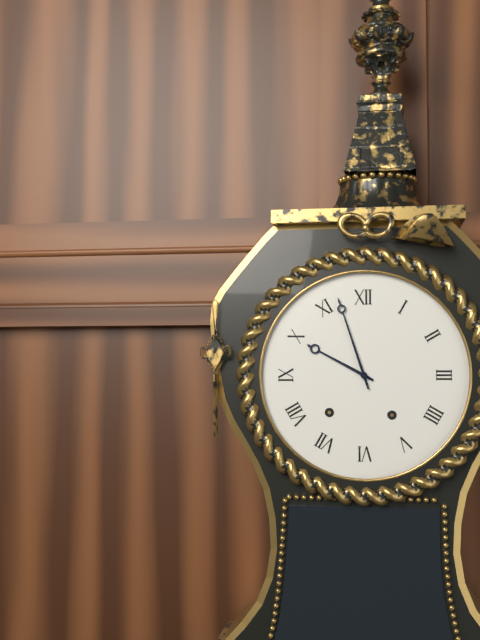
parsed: **9:57**
